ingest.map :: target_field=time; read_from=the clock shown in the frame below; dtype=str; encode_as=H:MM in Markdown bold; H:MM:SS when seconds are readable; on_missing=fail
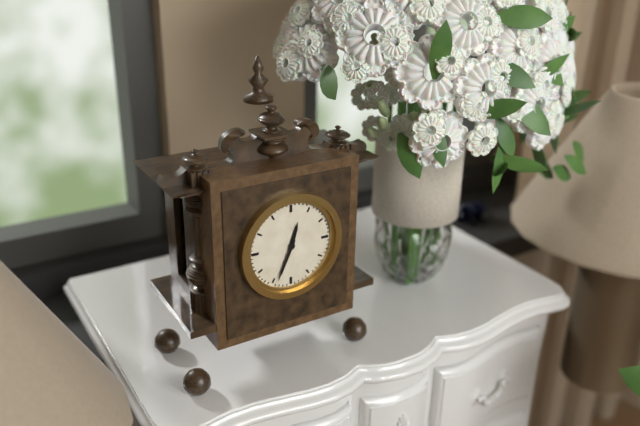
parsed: **12:34**
